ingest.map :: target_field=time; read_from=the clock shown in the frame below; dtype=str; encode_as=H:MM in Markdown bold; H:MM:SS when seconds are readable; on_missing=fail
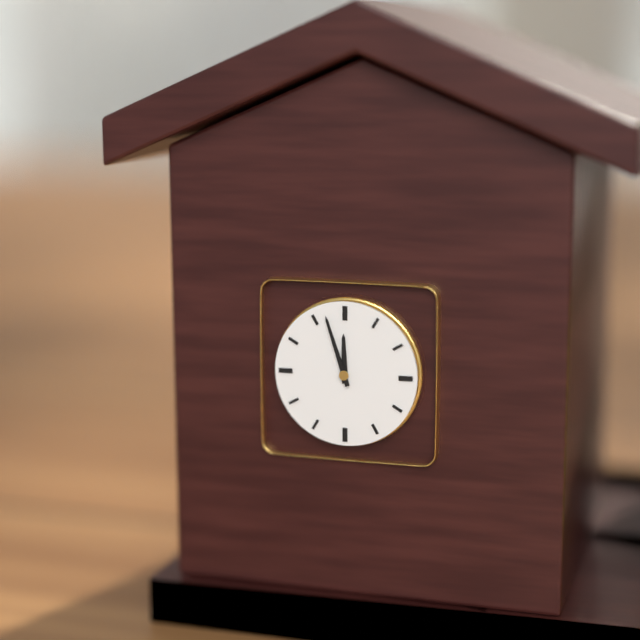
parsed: **11:57**
